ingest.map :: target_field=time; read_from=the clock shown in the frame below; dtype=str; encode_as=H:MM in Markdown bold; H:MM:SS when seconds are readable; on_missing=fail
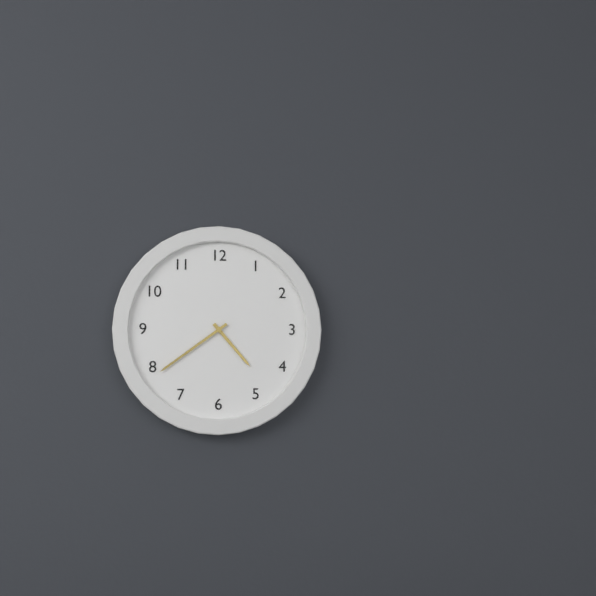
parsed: **4:39**
